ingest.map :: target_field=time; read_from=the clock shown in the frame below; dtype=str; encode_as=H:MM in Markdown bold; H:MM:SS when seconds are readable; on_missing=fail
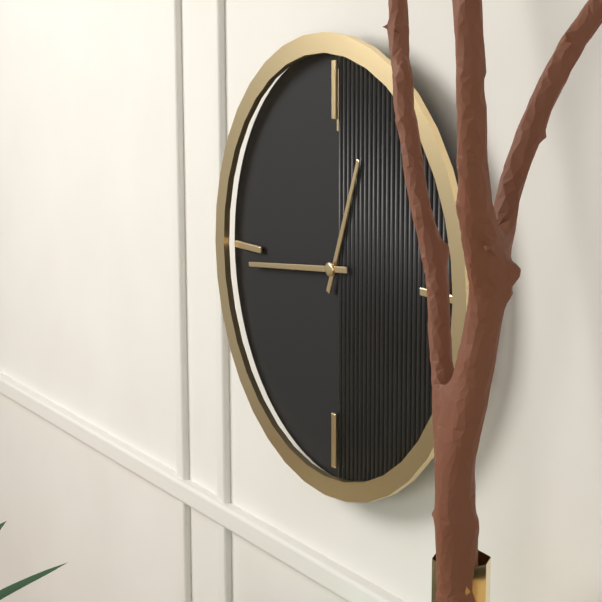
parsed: **12:44**
